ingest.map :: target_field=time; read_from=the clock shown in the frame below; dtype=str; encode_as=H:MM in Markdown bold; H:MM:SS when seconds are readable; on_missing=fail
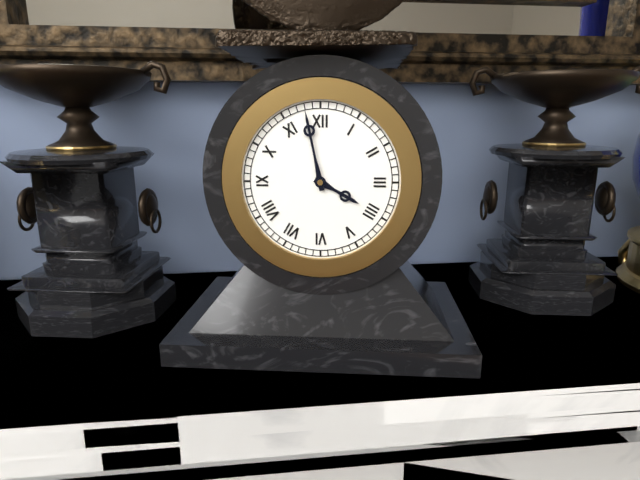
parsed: **3:58**
